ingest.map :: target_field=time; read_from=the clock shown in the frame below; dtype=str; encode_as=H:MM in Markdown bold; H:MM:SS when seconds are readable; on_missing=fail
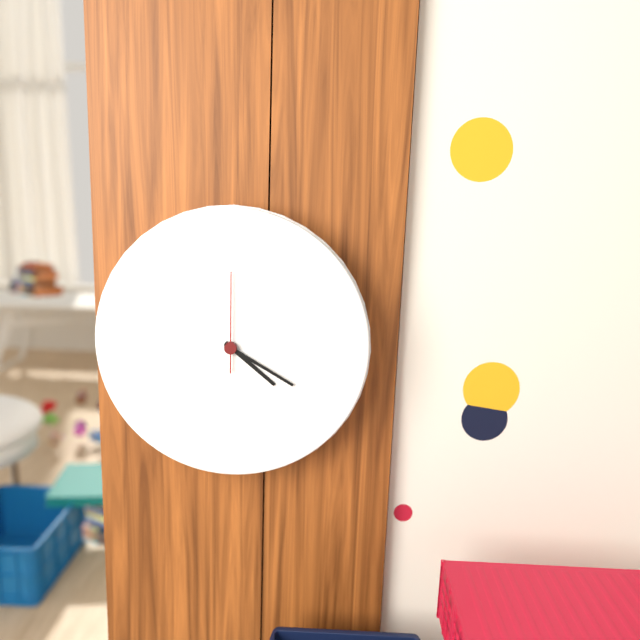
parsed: **4:20:00**
